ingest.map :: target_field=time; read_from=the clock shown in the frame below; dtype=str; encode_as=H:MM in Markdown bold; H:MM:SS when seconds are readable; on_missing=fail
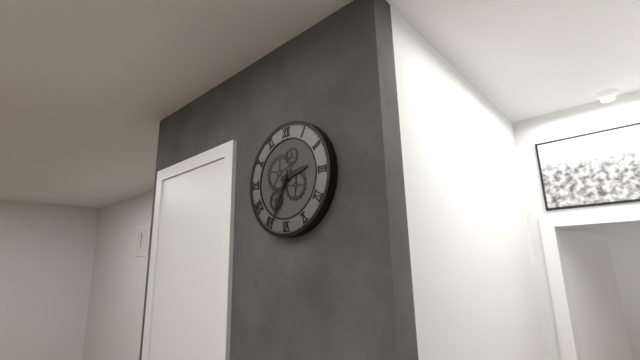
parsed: **2:34**
